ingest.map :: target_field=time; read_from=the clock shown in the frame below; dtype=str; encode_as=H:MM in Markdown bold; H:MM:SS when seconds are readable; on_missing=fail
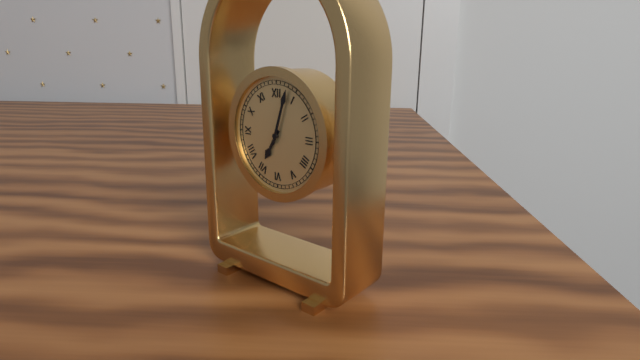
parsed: **7:03**
